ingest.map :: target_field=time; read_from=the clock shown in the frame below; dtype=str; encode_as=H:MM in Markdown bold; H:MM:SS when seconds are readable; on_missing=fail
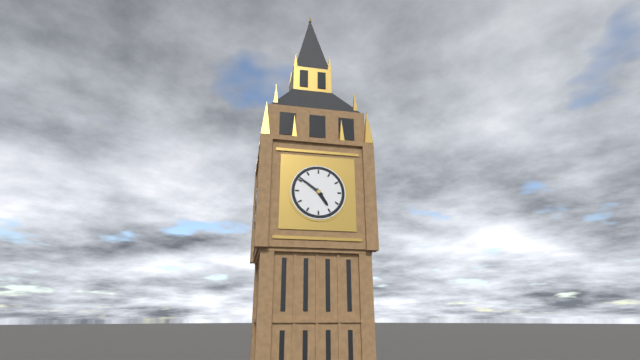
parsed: **4:51**
